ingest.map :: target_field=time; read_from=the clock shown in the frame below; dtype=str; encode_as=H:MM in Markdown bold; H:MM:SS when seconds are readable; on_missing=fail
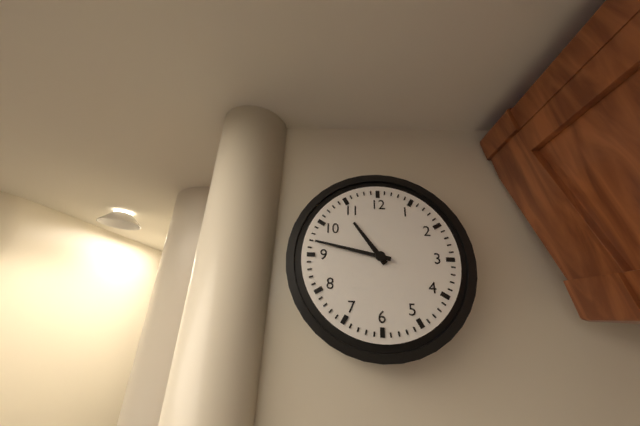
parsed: **10:47**
